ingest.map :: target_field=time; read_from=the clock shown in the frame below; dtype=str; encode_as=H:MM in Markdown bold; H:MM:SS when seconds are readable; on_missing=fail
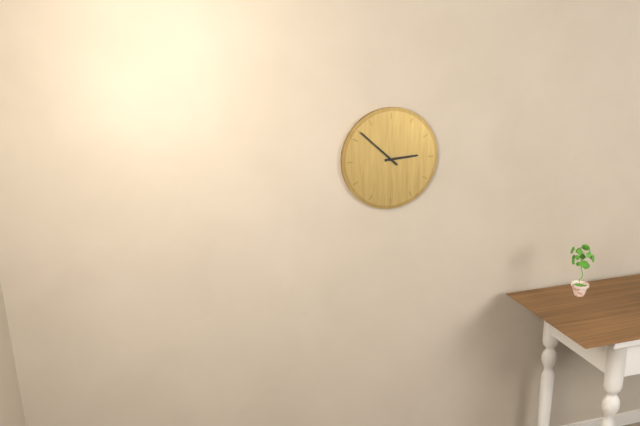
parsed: **2:52**
